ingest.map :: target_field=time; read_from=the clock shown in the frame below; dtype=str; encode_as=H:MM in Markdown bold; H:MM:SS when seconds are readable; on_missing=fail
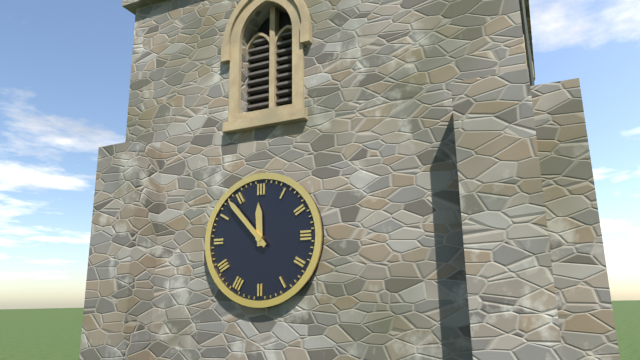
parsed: **11:53**
